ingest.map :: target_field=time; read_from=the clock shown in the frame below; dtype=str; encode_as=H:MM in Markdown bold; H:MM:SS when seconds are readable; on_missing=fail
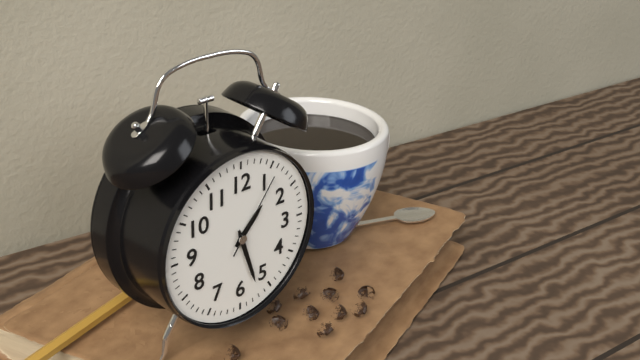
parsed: **1:27:06**
